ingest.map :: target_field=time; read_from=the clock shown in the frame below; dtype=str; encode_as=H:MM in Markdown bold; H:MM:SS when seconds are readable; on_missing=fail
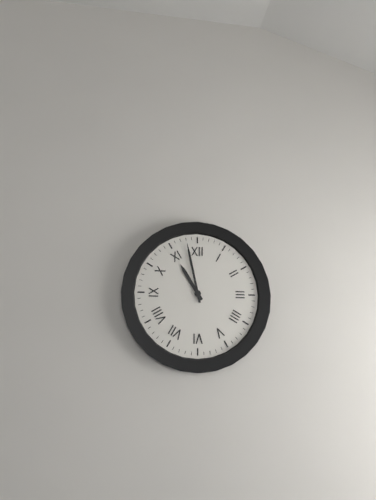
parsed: **10:58**
